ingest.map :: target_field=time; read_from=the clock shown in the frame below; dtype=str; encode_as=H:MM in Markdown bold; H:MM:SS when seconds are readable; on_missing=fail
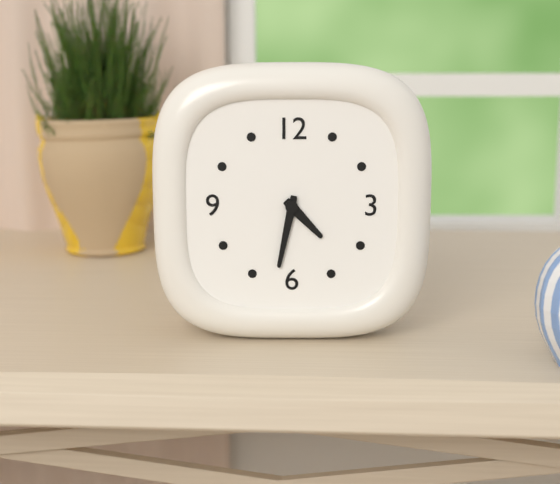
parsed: **4:32**
